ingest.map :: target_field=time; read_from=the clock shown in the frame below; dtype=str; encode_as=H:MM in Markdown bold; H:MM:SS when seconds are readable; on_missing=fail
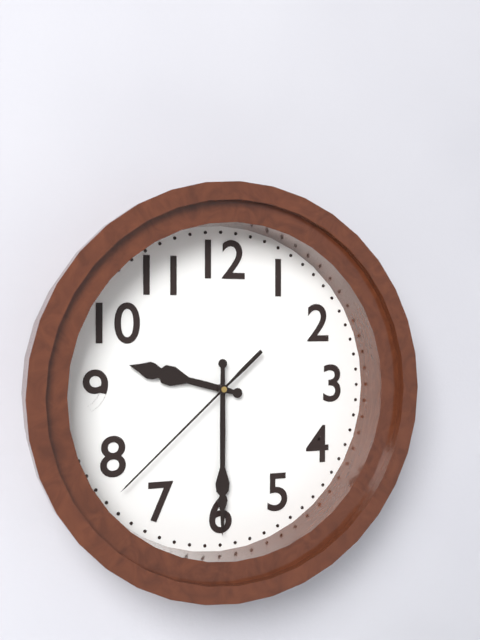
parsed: **9:30:38**
